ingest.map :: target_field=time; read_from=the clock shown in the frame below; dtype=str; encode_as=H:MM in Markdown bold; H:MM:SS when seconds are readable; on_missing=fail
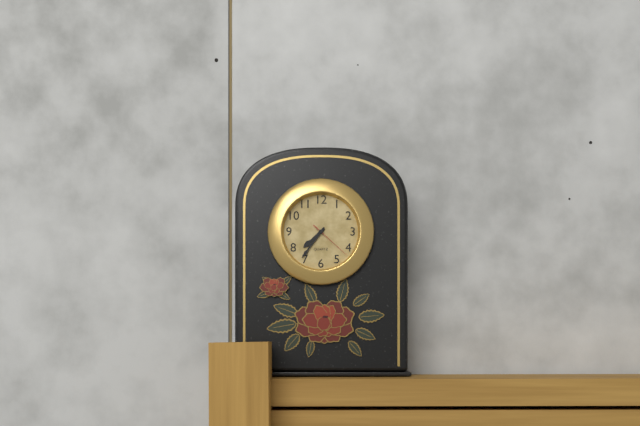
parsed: **7:36**
